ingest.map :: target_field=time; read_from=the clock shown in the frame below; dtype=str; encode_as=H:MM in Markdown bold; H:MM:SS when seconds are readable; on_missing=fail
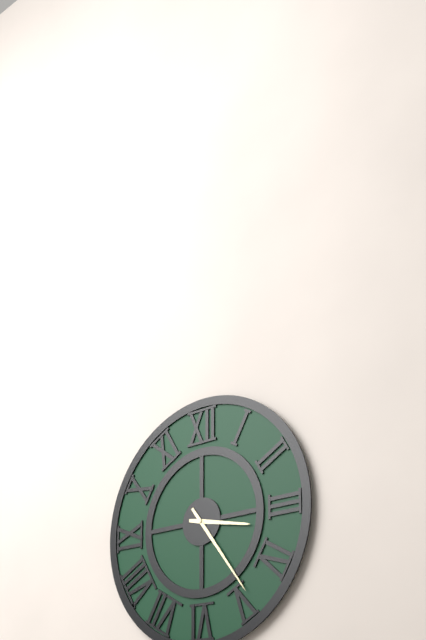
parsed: **3:24**
